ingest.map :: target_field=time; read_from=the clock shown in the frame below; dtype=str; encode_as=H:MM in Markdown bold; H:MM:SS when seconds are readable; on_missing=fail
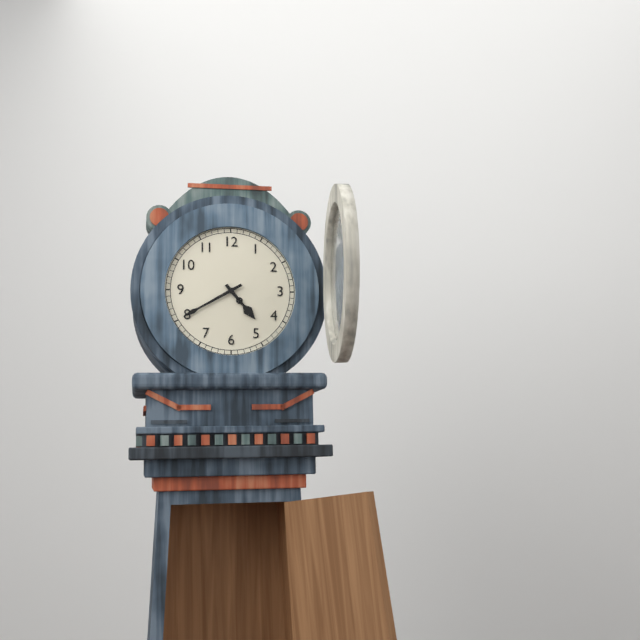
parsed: **4:40**
